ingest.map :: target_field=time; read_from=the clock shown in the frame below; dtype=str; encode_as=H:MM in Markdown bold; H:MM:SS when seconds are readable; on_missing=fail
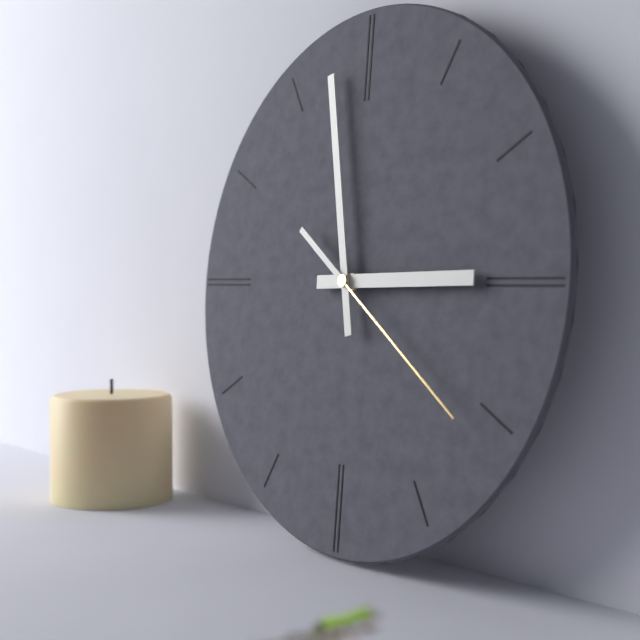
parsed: **2:58:21**
